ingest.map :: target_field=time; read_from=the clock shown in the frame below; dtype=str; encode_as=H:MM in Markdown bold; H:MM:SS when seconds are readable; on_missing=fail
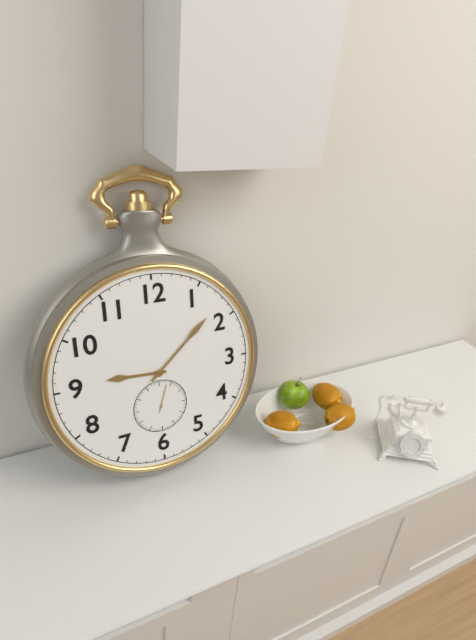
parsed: **9:08**
